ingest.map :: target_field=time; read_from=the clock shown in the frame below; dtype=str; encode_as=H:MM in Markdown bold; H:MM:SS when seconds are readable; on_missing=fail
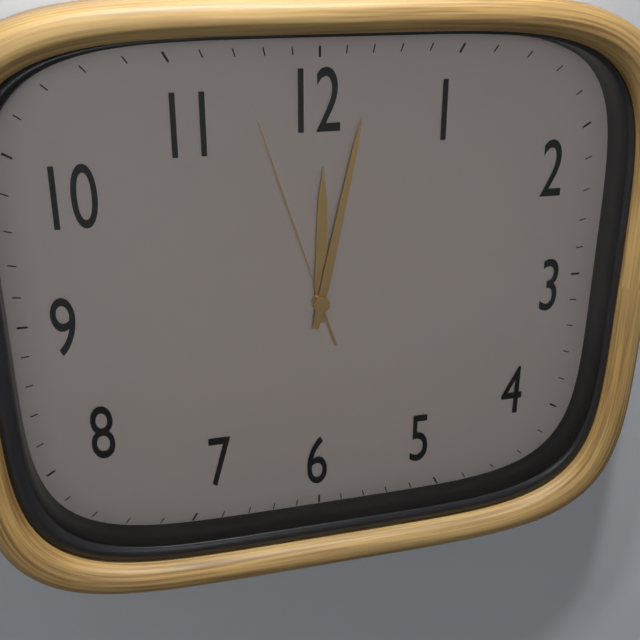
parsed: **12:02:57**
